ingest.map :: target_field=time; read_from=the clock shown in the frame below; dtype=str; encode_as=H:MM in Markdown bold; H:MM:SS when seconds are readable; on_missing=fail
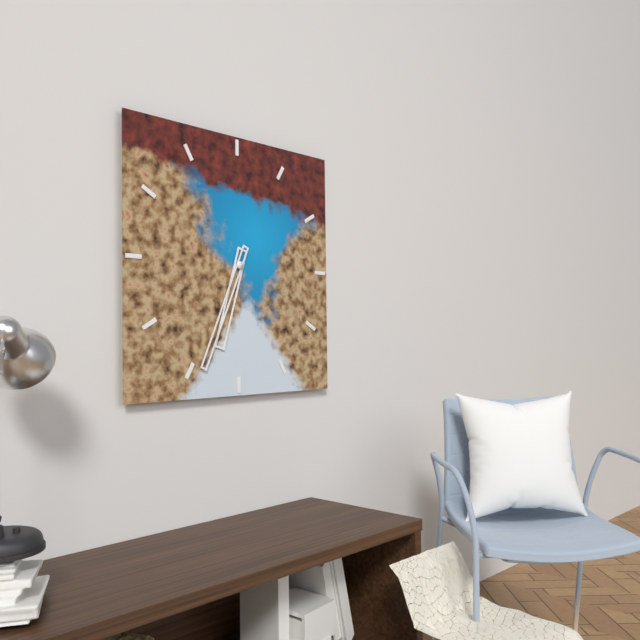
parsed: **6:34**
